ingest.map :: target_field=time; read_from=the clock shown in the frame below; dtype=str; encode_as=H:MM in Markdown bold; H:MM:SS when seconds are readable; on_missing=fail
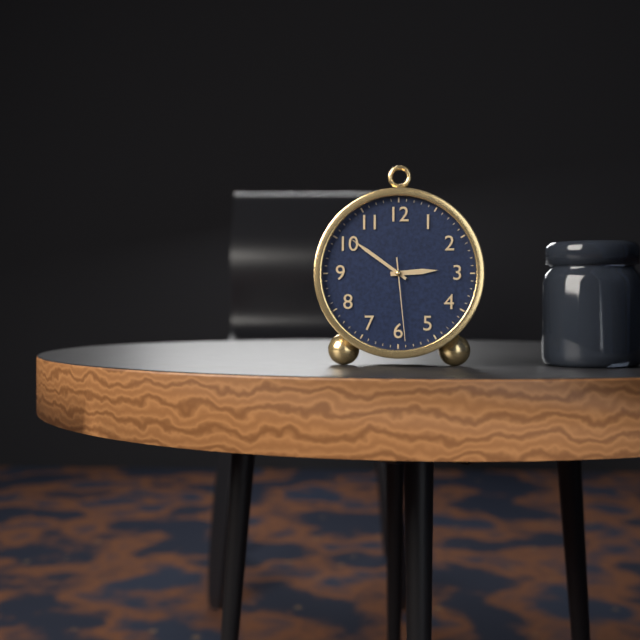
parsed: **2:51:29**
